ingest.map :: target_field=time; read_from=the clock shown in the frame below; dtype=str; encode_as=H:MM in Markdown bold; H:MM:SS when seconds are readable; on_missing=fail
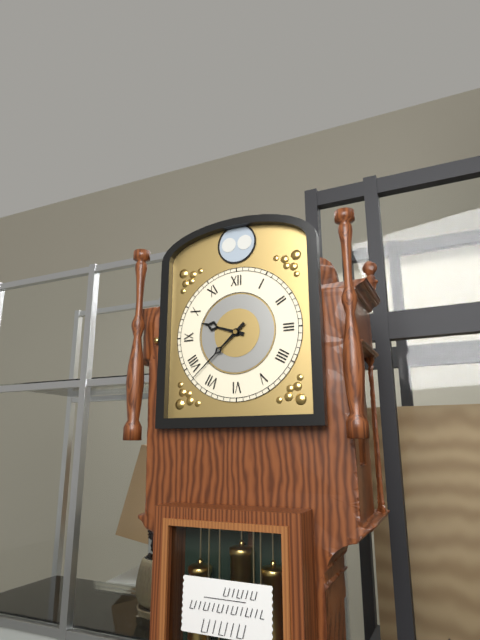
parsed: **9:38**
